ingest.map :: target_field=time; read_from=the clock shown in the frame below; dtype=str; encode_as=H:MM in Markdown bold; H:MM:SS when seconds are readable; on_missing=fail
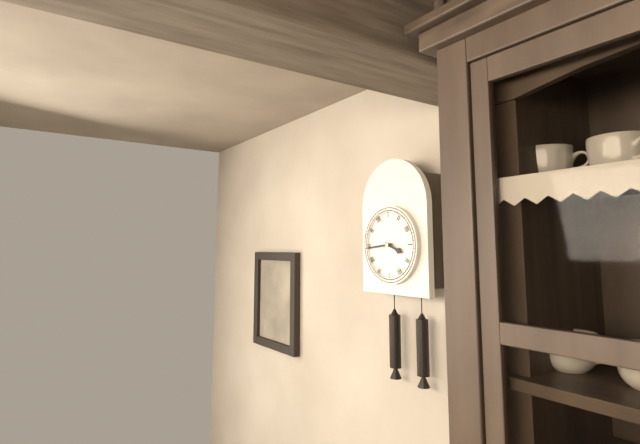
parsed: **3:44**
